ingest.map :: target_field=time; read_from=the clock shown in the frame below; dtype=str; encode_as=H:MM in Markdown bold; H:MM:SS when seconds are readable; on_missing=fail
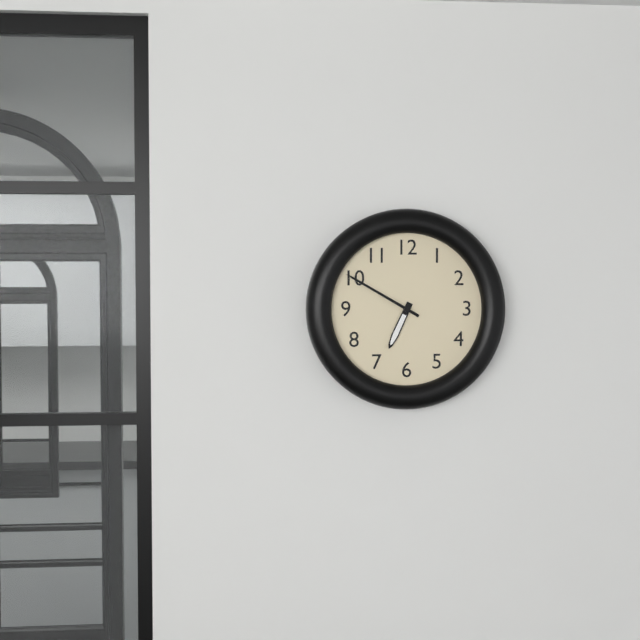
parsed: **6:50**
